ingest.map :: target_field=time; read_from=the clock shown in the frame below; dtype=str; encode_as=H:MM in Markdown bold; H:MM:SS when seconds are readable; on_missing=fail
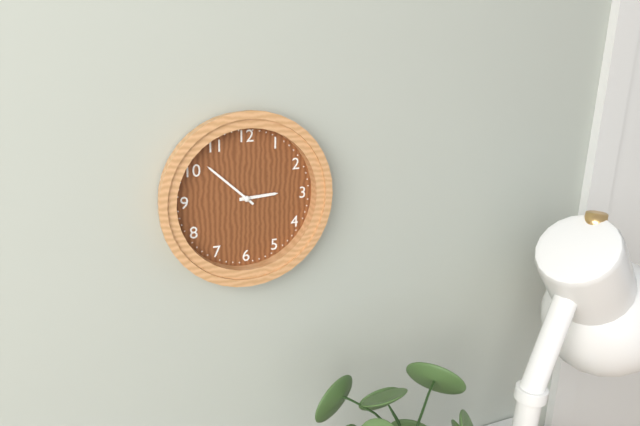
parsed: **2:52**
